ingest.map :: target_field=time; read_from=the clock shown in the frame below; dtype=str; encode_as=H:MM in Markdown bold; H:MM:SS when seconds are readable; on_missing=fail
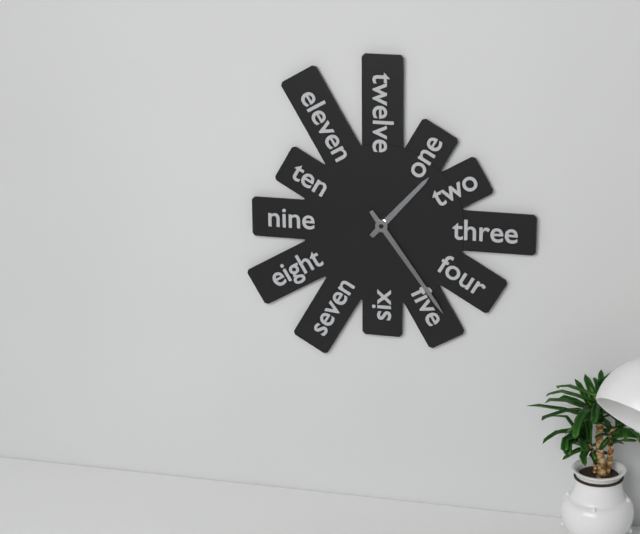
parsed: **1:24**
